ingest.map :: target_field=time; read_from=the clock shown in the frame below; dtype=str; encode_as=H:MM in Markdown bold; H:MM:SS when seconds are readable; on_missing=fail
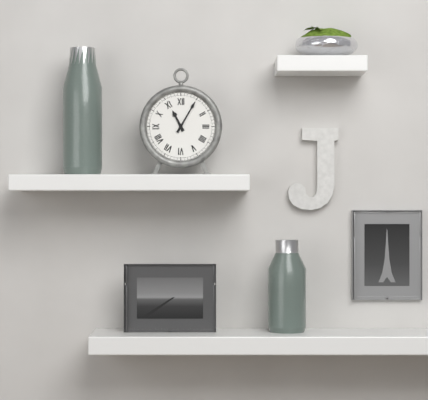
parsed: **11:05**
